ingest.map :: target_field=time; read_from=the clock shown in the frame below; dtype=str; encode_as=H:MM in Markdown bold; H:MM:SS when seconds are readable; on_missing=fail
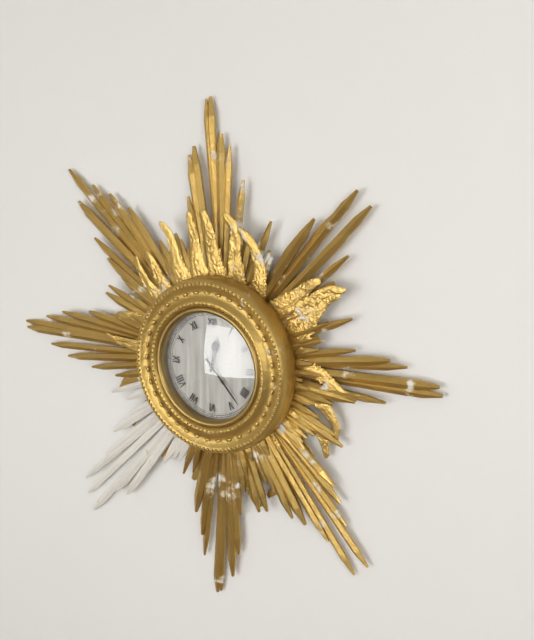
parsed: **12:23**
